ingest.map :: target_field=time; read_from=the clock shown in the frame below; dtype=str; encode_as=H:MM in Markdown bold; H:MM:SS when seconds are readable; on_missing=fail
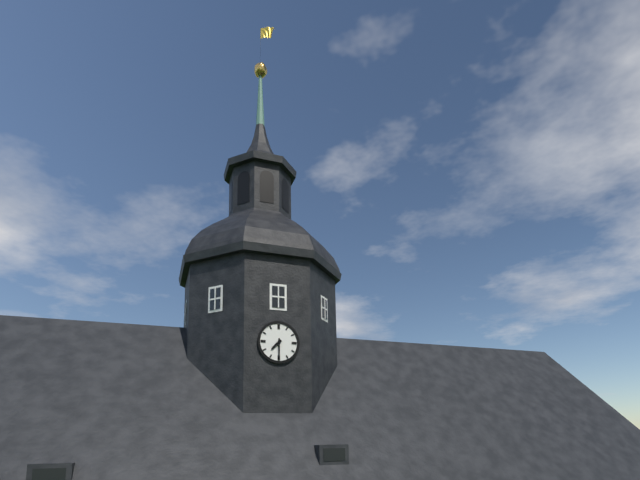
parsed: **7:30**
